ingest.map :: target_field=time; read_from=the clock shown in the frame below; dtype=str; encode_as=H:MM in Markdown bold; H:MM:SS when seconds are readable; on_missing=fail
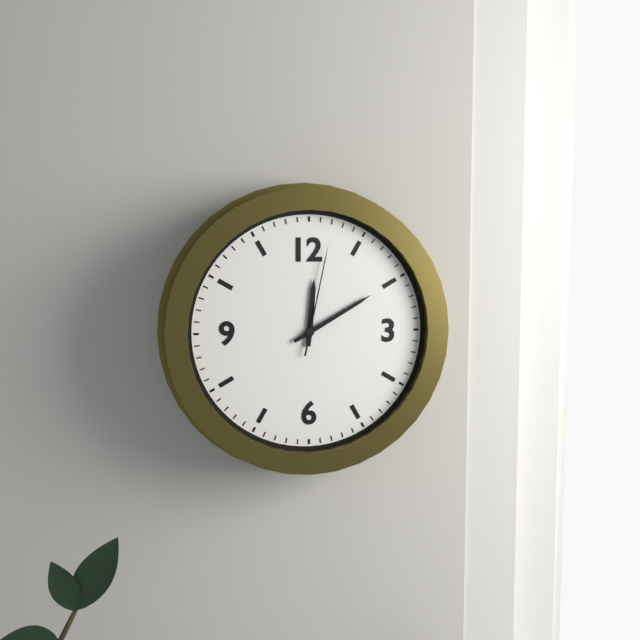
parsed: **12:10:02**
